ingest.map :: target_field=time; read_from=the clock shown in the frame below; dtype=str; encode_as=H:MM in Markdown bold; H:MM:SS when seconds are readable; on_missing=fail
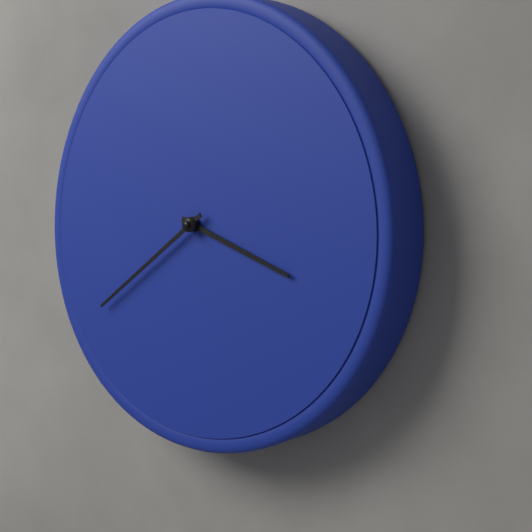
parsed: **3:39**
